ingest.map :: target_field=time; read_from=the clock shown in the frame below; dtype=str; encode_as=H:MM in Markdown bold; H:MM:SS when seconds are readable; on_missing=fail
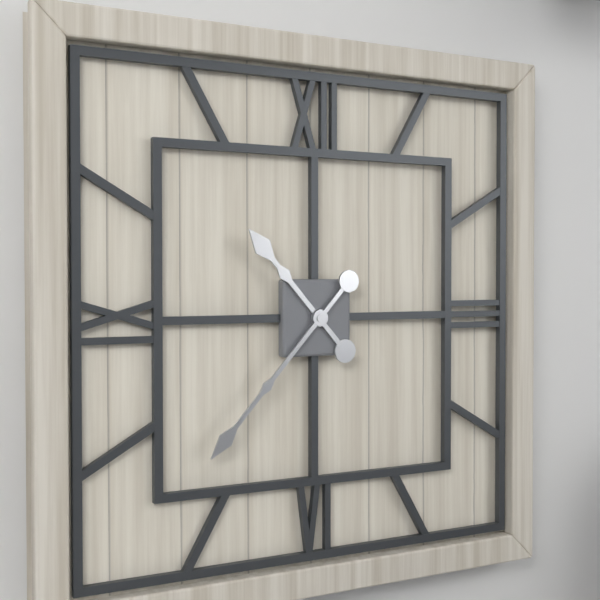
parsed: **10:37**
